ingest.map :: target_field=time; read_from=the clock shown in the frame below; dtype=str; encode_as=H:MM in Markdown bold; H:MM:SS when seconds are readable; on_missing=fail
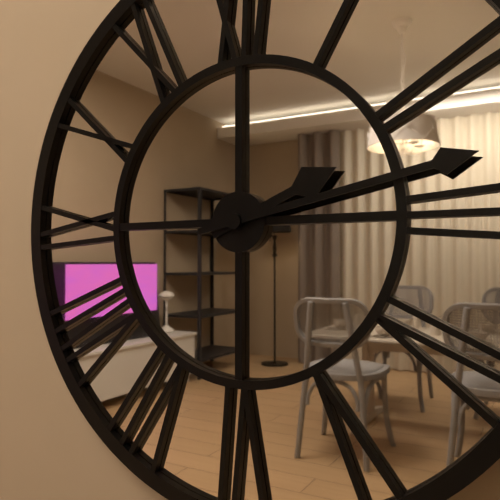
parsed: **2:13**
